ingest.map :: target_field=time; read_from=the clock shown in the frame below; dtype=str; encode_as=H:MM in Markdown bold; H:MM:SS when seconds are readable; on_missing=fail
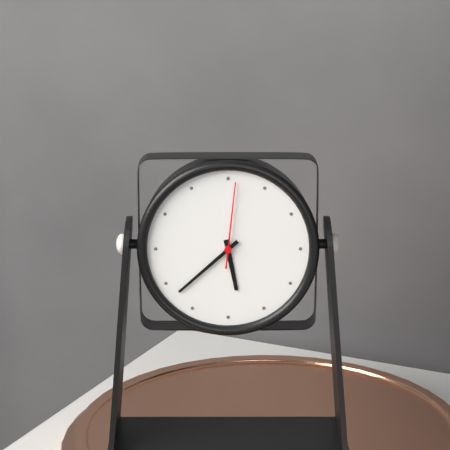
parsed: **5:38:01**
